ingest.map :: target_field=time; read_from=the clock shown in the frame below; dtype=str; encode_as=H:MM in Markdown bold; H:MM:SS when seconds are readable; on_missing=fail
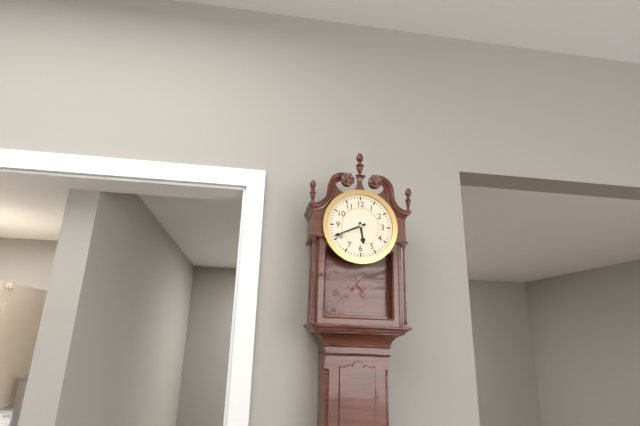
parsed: **5:41**
